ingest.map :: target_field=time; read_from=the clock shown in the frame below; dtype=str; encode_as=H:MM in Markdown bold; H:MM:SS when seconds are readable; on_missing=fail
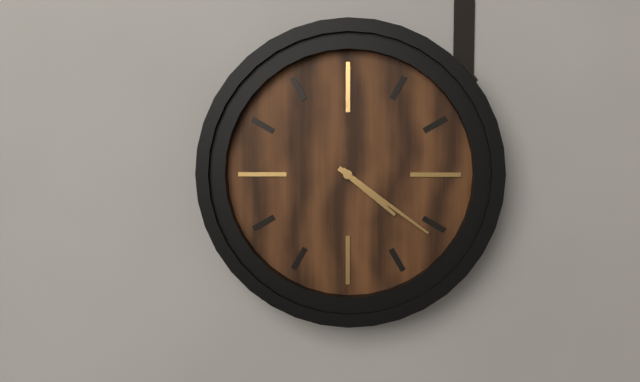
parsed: **4:21**
